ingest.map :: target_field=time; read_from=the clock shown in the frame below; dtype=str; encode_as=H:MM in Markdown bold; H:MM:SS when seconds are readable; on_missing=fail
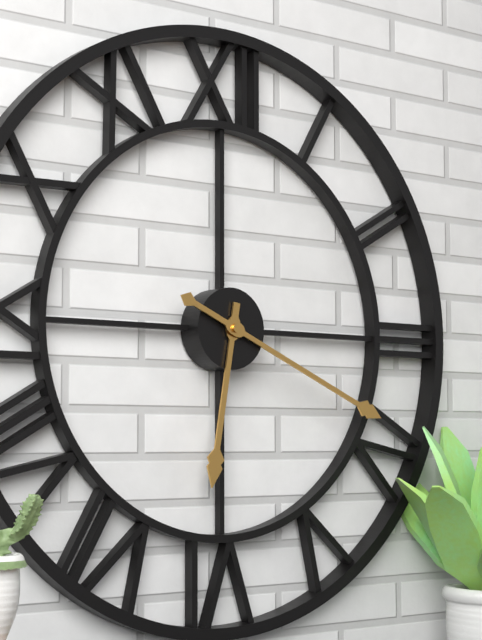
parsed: **6:19**
